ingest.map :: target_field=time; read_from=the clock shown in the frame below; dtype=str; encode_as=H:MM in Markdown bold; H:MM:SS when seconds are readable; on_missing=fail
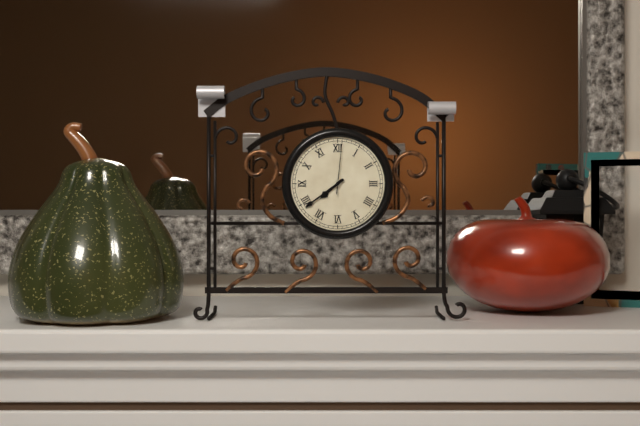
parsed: **7:39:01**
